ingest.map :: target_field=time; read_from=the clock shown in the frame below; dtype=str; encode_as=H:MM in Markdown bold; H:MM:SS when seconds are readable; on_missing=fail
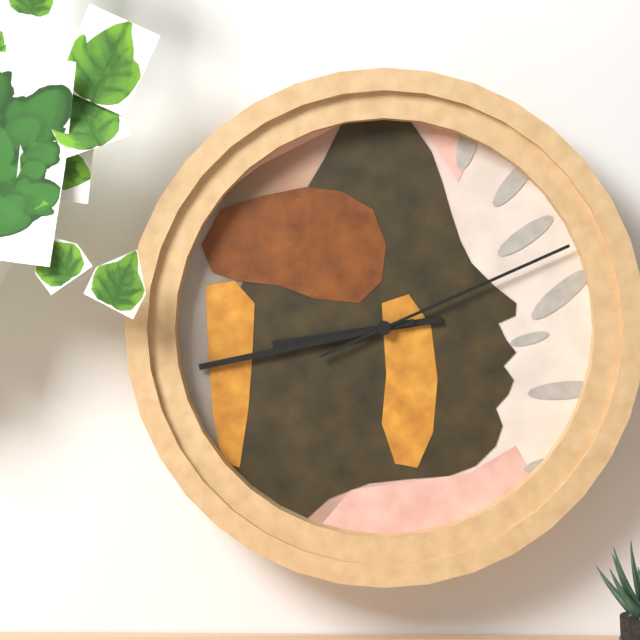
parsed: **8:43:11**
